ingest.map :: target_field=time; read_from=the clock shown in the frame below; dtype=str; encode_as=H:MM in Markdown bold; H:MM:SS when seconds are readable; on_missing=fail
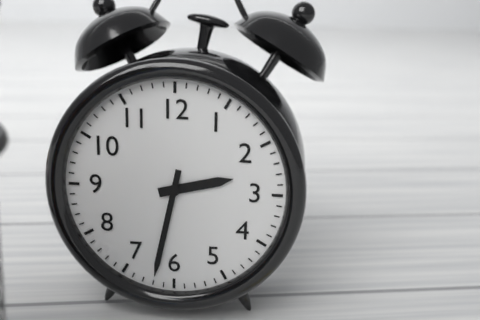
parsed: **2:32**
